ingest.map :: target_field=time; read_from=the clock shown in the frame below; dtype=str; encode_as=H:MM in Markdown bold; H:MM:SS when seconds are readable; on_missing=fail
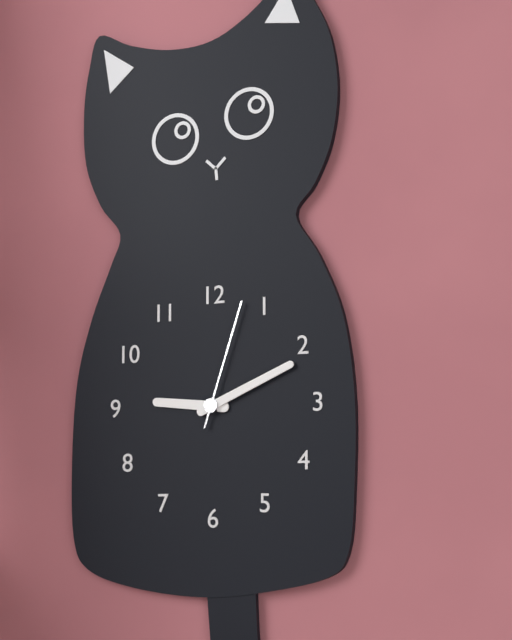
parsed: **9:11:03**
